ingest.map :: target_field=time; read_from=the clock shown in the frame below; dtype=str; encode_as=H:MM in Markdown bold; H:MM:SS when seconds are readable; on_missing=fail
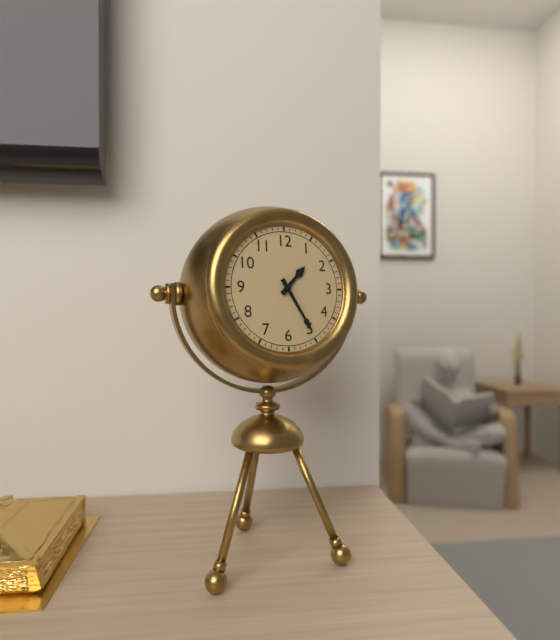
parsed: **1:25**
